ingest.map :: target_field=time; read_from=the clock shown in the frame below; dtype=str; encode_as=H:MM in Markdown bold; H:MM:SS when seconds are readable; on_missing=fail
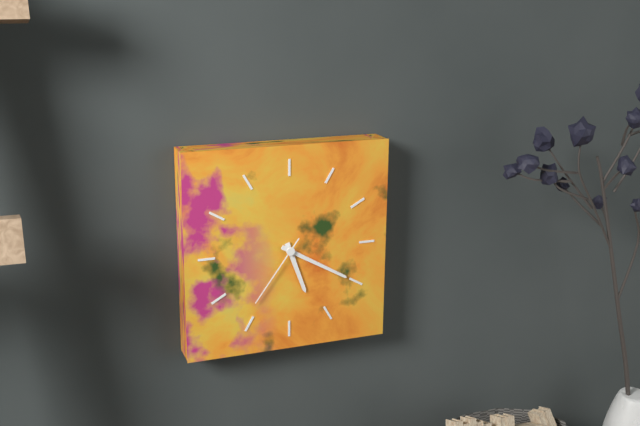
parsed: **5:20:36**
